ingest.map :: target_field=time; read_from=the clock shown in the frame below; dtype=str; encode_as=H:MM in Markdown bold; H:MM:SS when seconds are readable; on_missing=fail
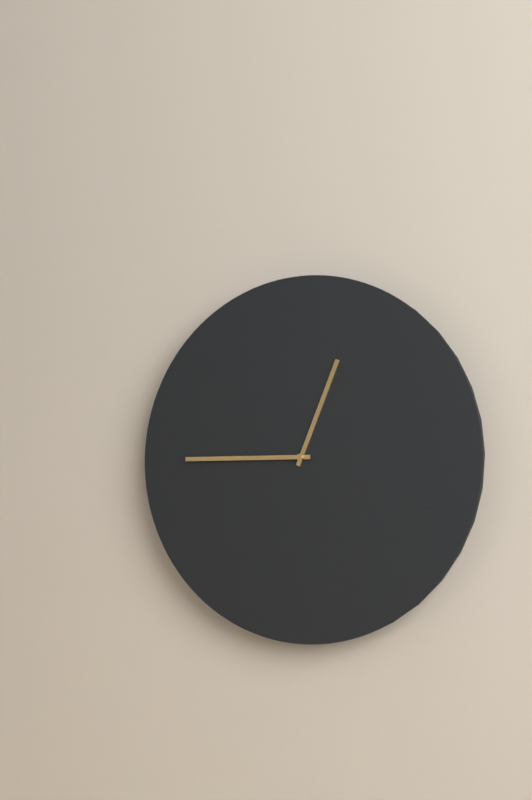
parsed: **12:45**
